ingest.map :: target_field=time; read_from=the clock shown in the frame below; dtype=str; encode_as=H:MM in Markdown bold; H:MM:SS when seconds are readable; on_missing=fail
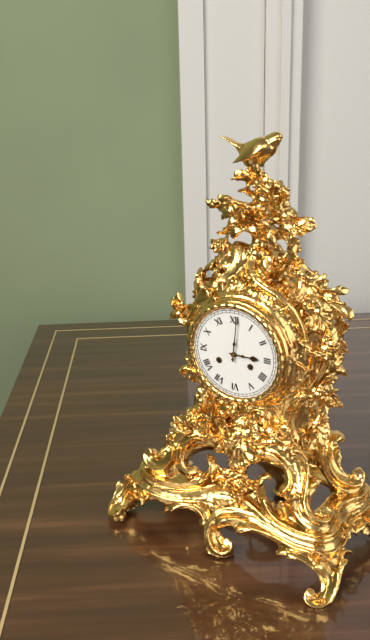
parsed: **3:01**
